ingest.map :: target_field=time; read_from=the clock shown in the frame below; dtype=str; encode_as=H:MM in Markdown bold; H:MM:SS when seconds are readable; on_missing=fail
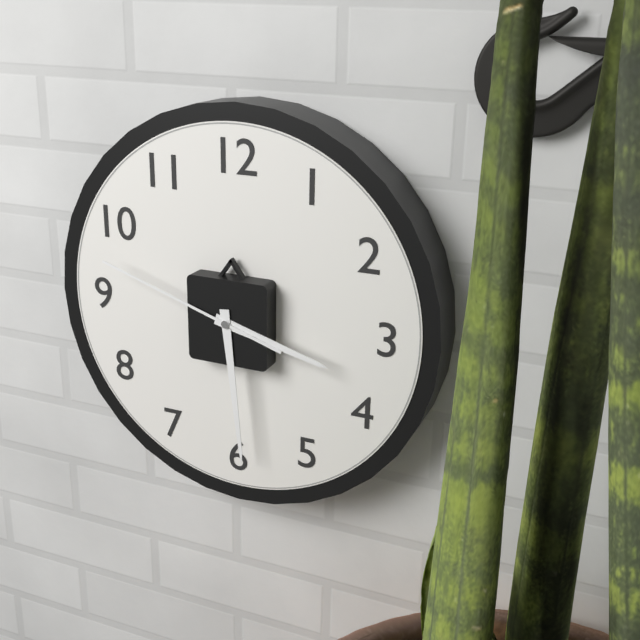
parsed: **3:29:48**
